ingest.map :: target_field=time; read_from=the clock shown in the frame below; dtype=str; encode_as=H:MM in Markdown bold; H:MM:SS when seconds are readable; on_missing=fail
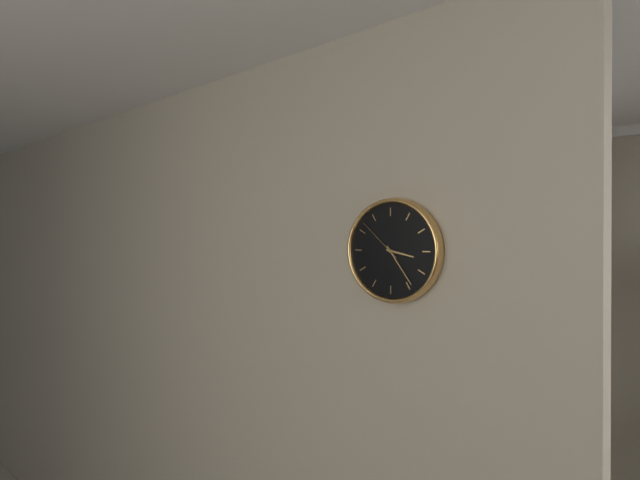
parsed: **3:24:52**
